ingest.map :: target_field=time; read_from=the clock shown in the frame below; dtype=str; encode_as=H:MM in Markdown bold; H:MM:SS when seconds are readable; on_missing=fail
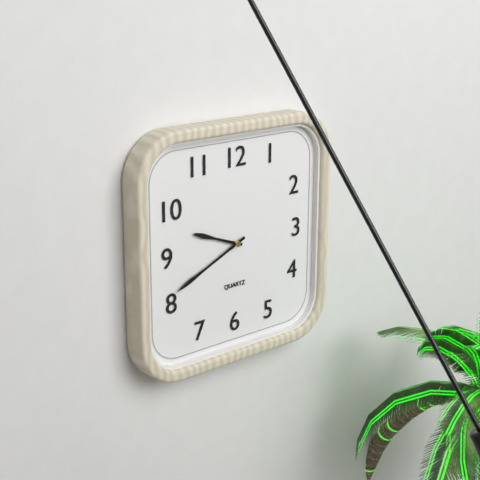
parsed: **9:41**
